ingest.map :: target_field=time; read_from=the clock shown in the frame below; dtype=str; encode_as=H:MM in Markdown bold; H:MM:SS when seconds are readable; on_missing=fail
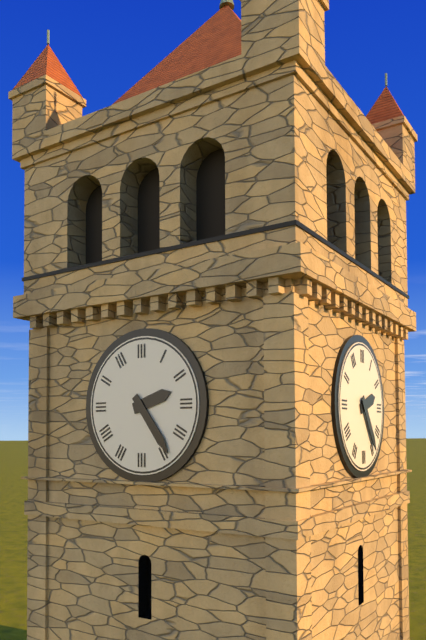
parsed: **2:24**
